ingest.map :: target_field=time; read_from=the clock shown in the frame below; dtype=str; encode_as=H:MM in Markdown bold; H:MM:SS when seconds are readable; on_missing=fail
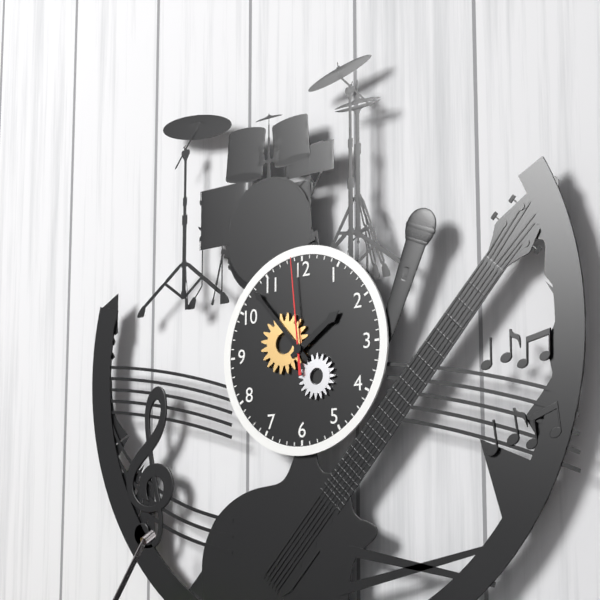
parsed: **1:53:59**
